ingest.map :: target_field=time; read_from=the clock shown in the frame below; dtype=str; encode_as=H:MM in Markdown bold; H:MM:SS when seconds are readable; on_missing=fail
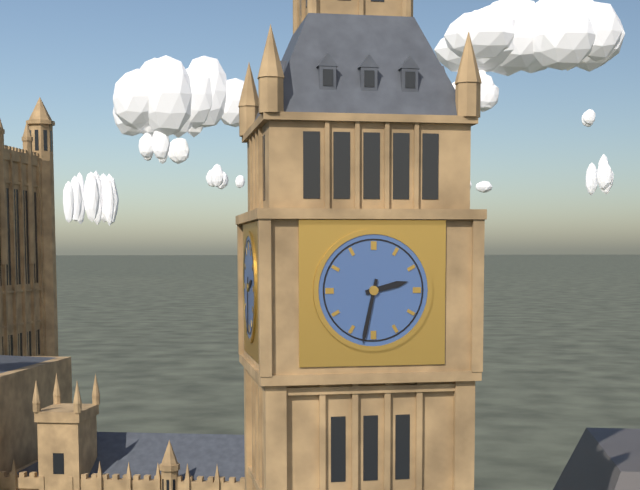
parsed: **2:32**
